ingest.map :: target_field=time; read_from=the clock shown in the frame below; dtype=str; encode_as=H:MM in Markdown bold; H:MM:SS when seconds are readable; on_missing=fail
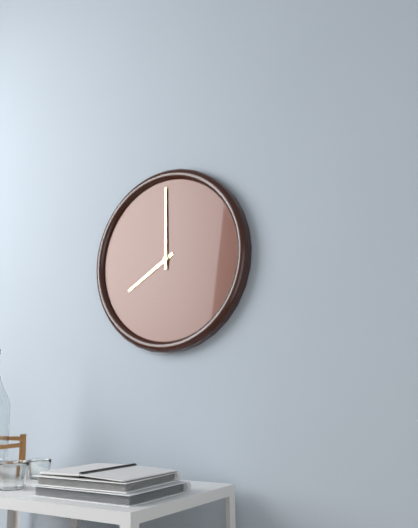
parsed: **8:00**
